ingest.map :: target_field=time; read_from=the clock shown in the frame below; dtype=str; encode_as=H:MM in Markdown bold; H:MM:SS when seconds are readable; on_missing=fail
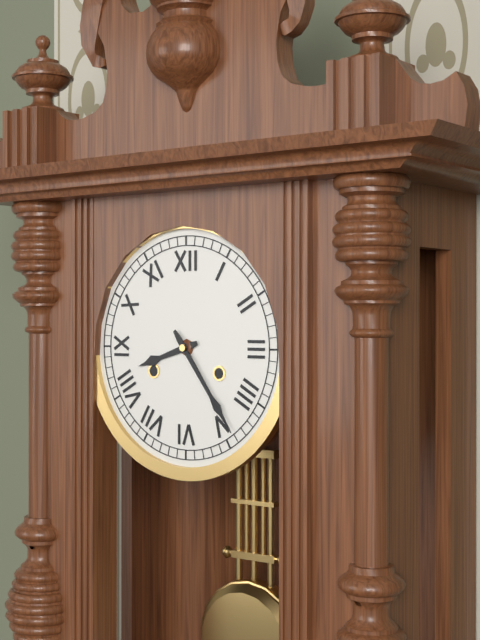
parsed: **8:24**
